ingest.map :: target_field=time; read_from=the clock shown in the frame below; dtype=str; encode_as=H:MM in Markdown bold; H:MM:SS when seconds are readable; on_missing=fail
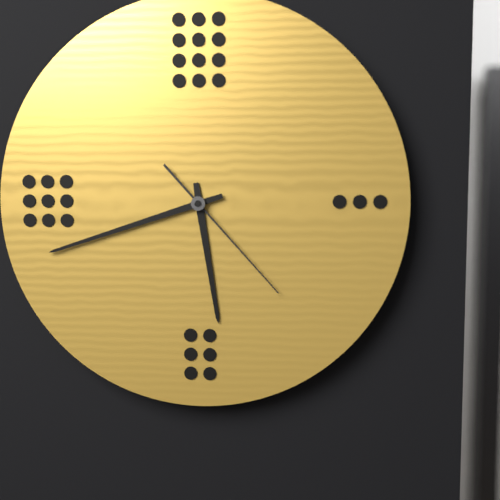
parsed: **5:42:23**
